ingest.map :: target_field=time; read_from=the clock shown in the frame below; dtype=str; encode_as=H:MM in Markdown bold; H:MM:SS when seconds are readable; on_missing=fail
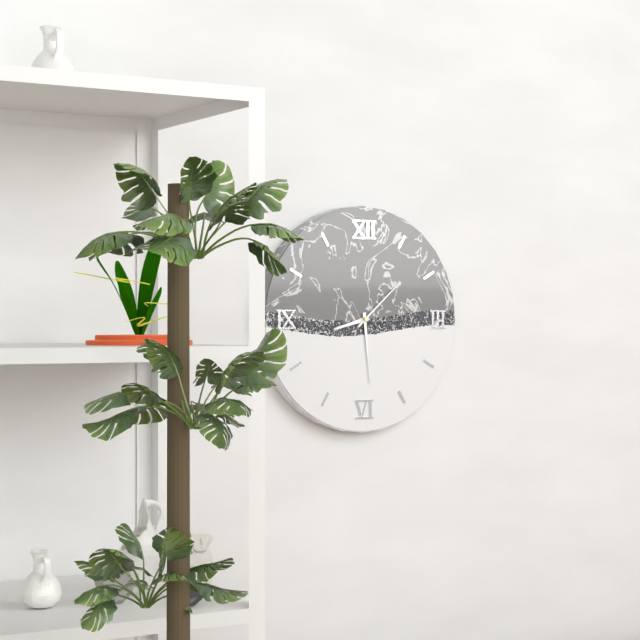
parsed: **8:29:08**
